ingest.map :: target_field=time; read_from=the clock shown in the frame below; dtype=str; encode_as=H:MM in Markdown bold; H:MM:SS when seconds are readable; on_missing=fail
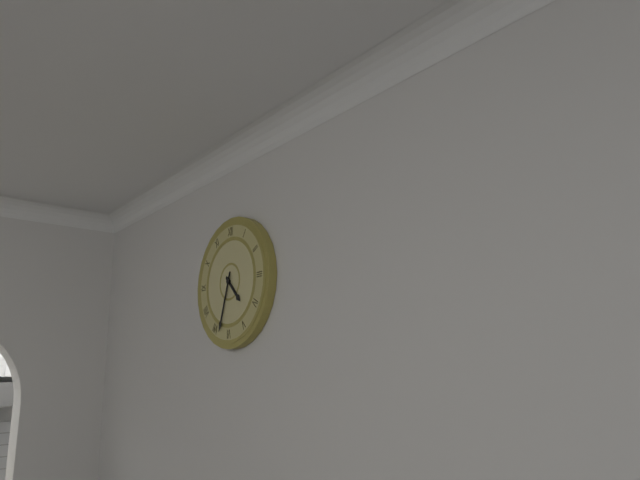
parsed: **4:33**
